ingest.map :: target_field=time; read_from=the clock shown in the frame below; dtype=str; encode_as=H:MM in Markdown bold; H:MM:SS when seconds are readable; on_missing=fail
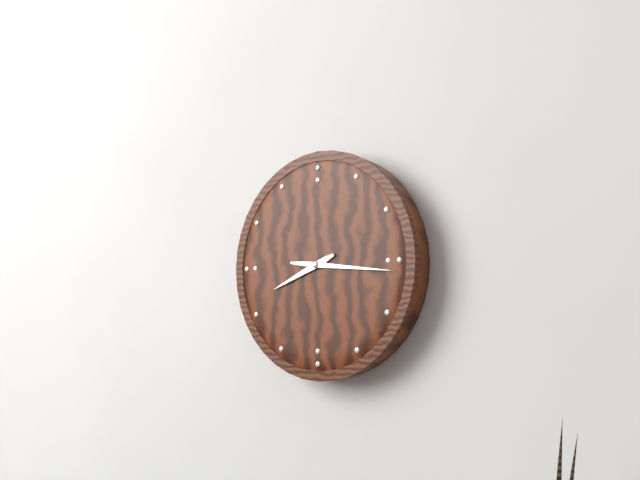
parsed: **8:16**
